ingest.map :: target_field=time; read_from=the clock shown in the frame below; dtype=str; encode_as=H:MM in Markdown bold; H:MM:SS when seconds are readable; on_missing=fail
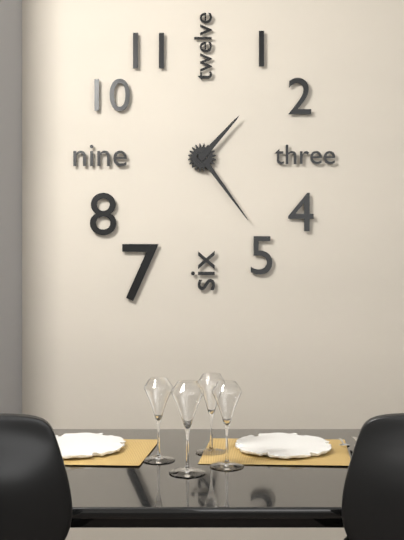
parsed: **1:24**
